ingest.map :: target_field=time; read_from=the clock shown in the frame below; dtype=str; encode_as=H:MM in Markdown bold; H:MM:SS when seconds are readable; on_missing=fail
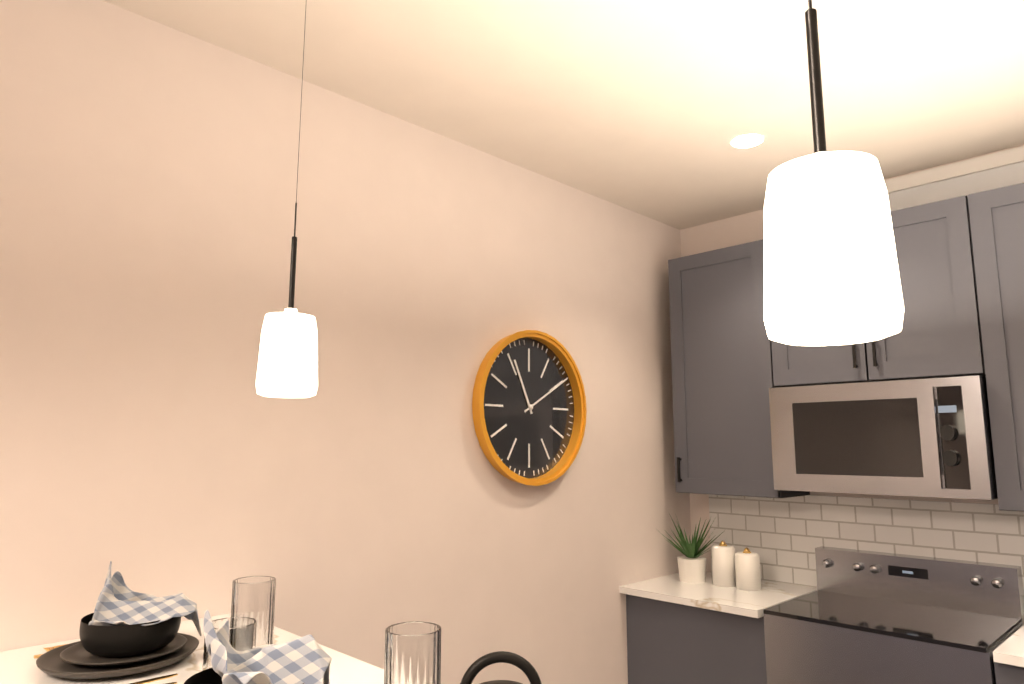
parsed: **11:10**
